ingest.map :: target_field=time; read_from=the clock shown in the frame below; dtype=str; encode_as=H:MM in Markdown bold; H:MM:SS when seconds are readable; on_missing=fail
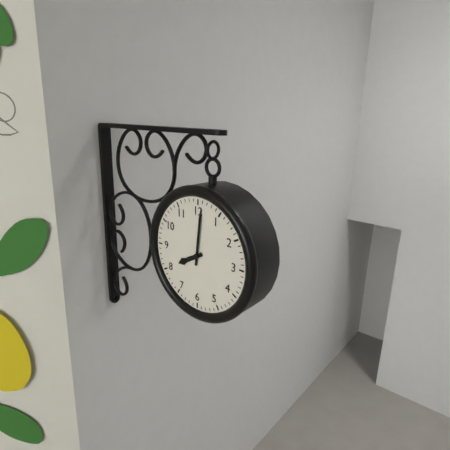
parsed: **8:01**
